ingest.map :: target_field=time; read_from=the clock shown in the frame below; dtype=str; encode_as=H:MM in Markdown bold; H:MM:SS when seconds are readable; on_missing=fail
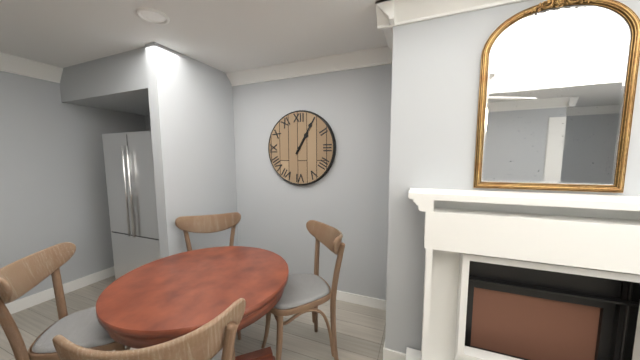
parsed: **1:05**
